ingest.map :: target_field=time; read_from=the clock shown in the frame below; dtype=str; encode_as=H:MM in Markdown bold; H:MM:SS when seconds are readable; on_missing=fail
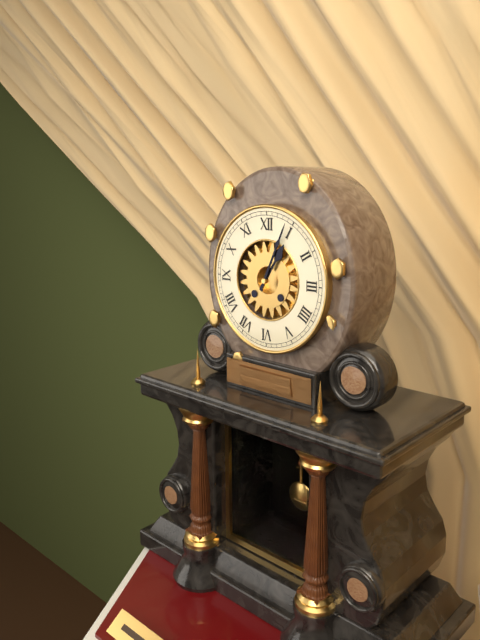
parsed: **1:04**
